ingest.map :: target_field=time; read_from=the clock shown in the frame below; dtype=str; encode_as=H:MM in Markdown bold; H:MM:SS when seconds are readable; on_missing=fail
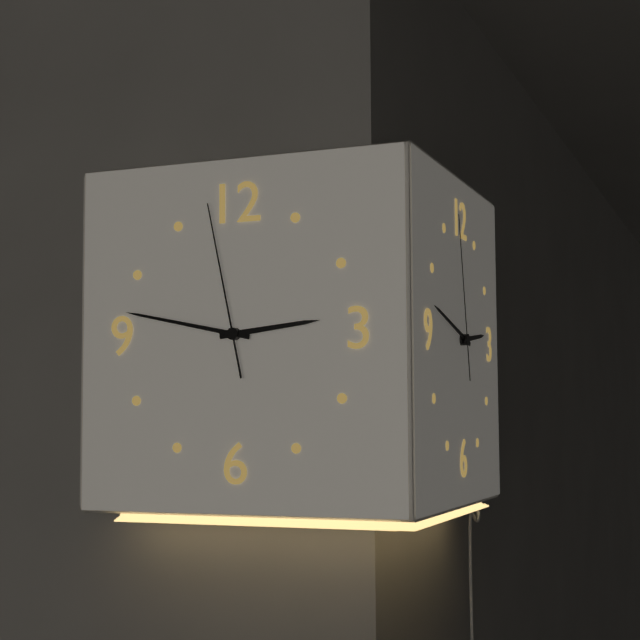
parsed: **2:47:58**
